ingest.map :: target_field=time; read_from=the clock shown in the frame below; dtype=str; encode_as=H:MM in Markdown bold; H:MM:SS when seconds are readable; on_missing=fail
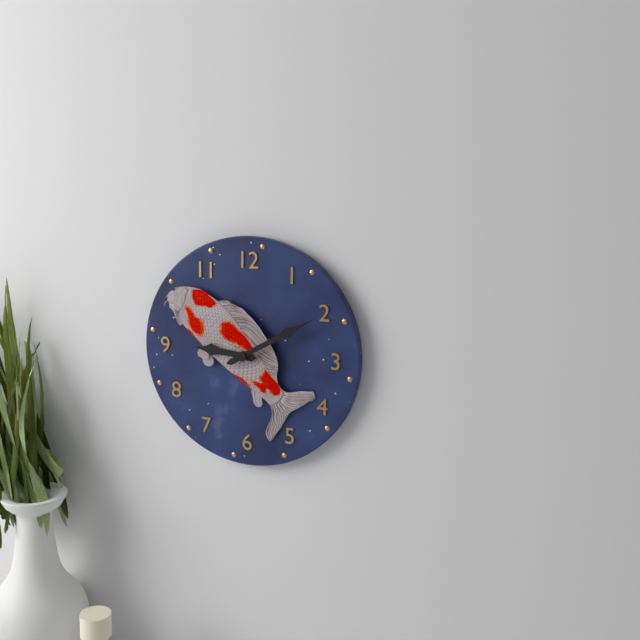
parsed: **9:10**
